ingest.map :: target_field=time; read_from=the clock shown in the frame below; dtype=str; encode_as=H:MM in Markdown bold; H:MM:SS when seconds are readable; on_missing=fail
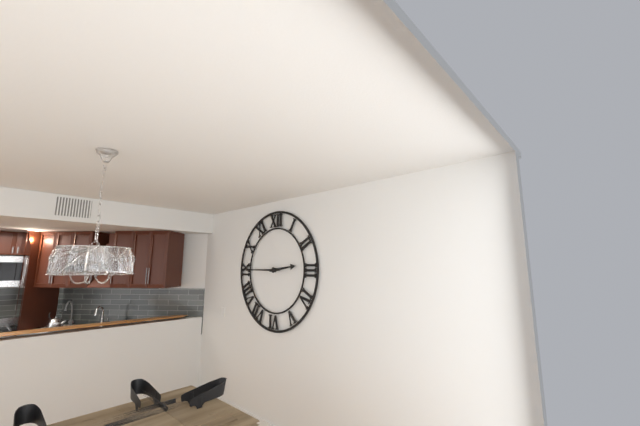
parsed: **2:45**
